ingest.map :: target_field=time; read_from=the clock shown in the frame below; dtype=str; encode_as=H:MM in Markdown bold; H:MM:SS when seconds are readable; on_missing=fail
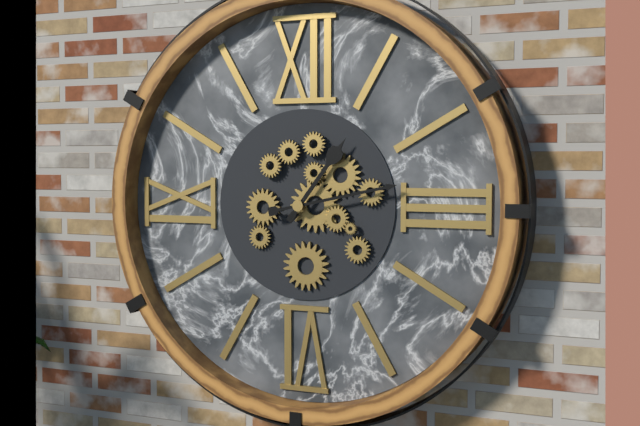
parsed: **1:13**
